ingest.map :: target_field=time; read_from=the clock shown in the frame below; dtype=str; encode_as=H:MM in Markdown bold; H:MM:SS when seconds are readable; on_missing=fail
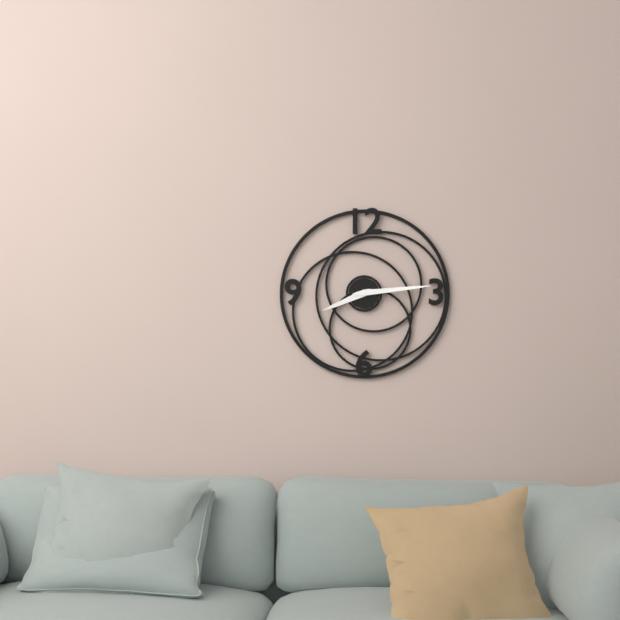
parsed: **8:14**
